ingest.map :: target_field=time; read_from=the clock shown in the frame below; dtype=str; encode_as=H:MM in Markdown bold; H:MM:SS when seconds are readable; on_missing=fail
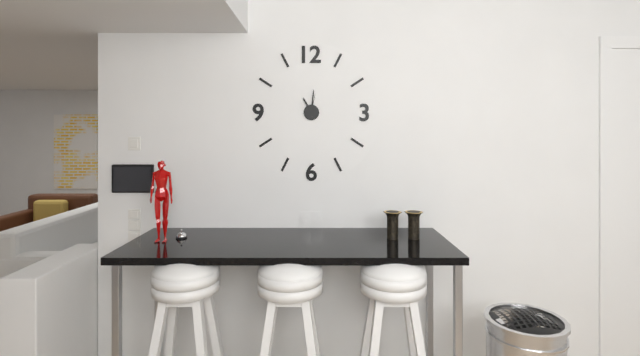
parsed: **11:01**
